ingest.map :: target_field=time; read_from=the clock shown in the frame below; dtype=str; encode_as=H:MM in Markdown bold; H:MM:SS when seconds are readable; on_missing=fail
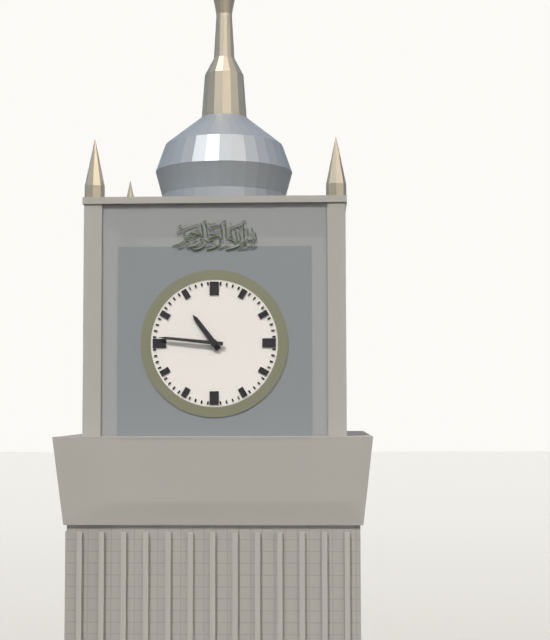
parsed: **10:46**
